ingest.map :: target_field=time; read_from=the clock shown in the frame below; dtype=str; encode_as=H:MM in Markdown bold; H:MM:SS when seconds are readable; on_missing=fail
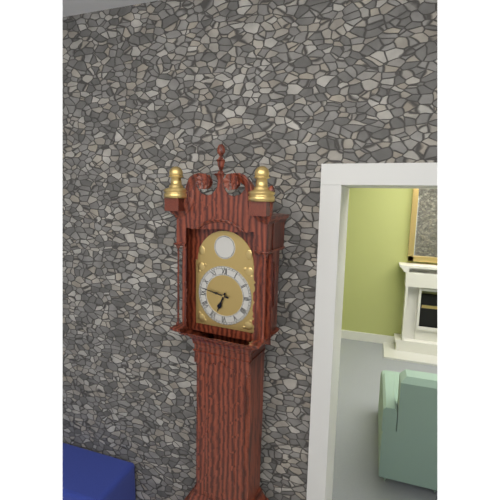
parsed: **6:47**
